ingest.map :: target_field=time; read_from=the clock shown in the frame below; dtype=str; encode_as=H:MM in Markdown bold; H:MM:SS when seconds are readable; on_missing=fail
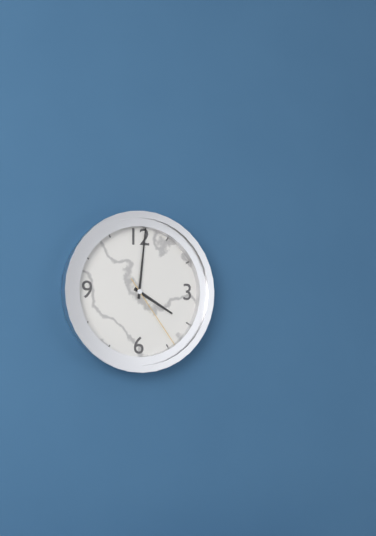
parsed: **4:01:24**
